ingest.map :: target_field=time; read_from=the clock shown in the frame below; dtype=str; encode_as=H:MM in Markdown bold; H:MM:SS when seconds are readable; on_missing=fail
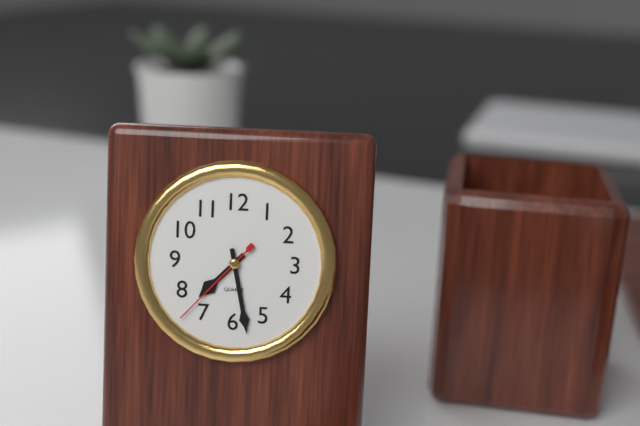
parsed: **7:28:37**
